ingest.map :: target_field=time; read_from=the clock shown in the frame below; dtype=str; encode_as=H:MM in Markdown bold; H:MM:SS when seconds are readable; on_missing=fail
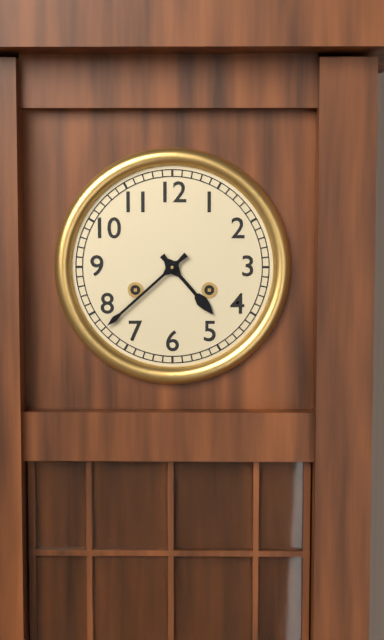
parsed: **4:38**
